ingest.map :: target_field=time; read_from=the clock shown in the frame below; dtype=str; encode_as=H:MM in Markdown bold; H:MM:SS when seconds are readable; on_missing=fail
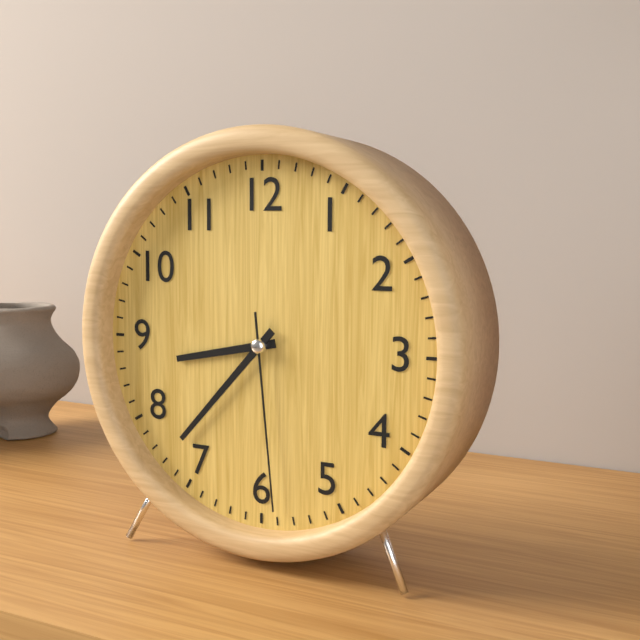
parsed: **8:37:29**
